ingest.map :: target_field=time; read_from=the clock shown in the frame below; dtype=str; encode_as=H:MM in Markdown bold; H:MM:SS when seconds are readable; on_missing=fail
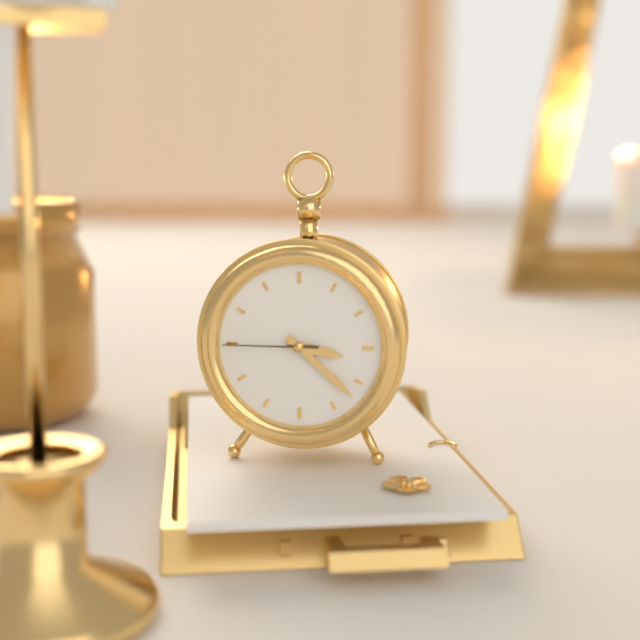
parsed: **3:22:45**
